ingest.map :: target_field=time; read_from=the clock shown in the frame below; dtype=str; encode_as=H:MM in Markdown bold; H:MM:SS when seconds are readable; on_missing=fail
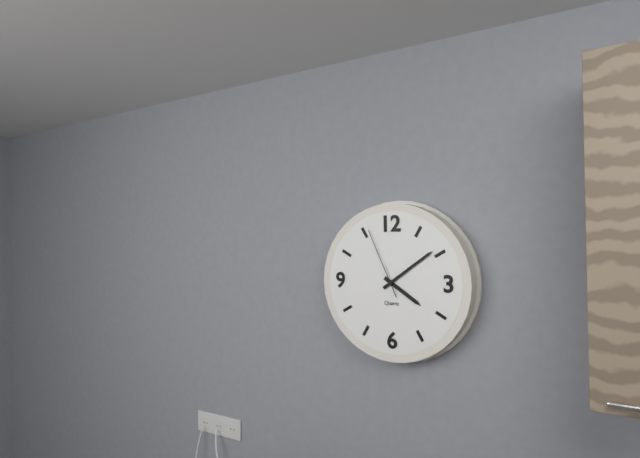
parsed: **4:09:56**
